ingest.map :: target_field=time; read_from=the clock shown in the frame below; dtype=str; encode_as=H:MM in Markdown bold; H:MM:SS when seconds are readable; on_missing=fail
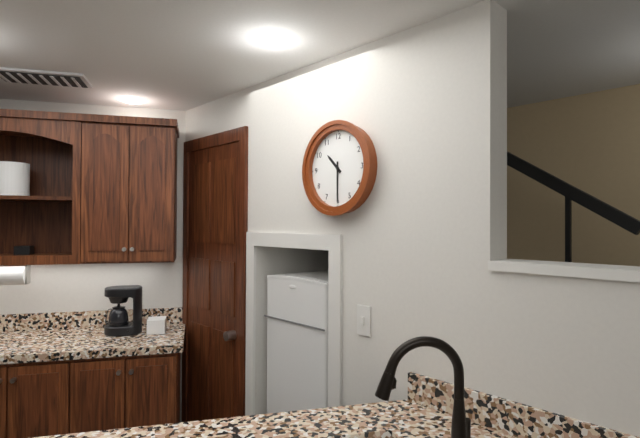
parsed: **10:30**
